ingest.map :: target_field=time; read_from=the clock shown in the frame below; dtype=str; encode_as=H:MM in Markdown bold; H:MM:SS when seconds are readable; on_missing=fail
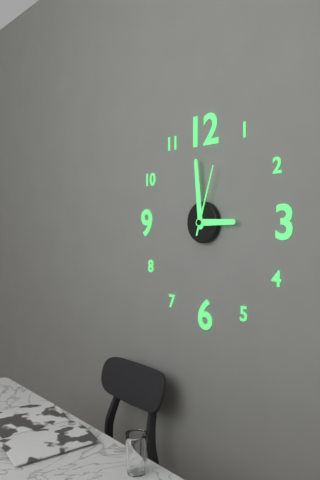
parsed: **2:59:03**
